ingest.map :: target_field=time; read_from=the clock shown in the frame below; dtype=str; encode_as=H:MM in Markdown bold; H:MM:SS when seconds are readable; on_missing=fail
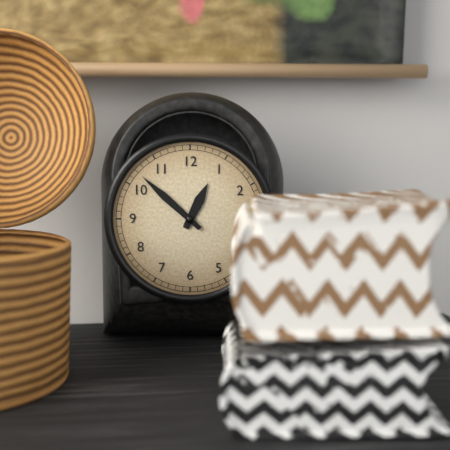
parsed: **12:52**
